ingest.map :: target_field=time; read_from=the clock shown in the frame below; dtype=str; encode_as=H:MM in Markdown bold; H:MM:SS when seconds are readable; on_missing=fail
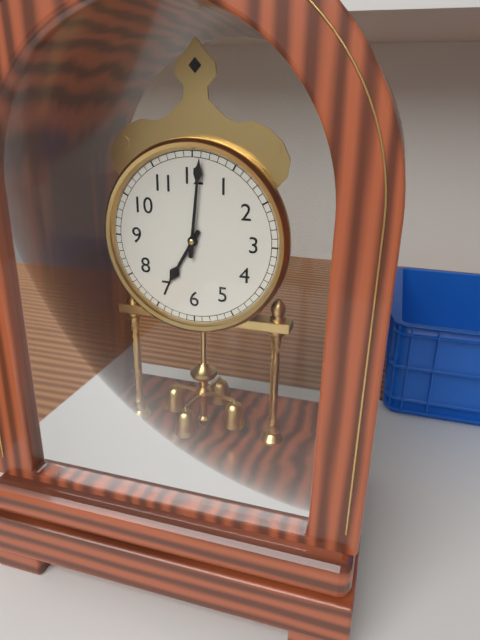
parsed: **7:01**
